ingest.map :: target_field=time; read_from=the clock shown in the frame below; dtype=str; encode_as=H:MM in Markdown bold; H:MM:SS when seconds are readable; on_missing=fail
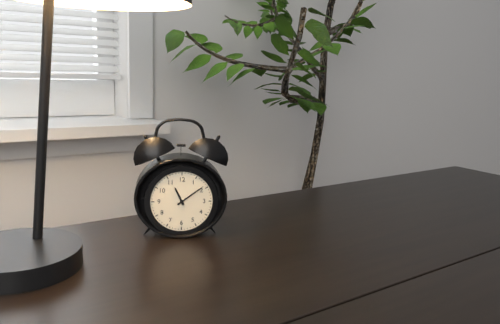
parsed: **11:09**
